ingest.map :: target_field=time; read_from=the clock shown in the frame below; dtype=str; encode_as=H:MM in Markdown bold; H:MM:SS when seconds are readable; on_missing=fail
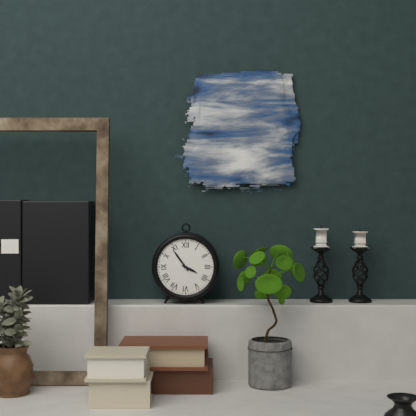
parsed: **3:54**
